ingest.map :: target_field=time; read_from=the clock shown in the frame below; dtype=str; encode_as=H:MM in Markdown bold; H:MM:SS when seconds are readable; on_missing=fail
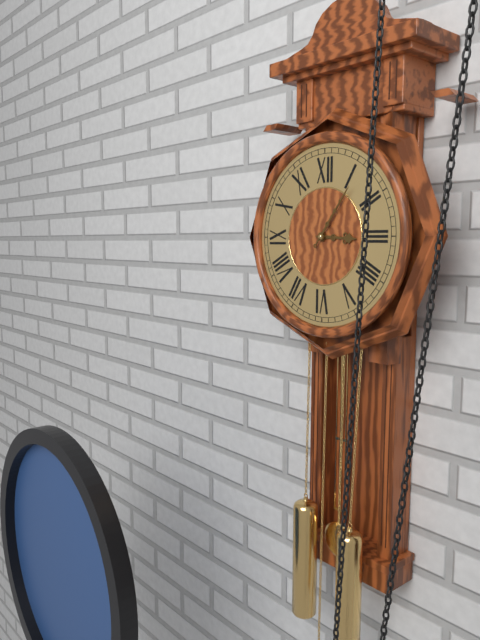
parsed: **3:06**
